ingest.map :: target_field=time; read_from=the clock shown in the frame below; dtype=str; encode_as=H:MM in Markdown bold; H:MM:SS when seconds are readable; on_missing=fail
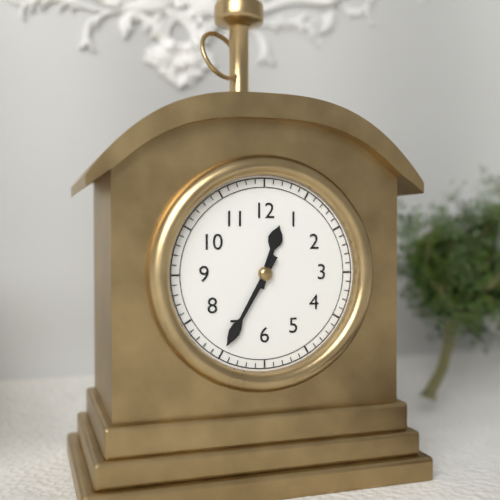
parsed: **12:35**
